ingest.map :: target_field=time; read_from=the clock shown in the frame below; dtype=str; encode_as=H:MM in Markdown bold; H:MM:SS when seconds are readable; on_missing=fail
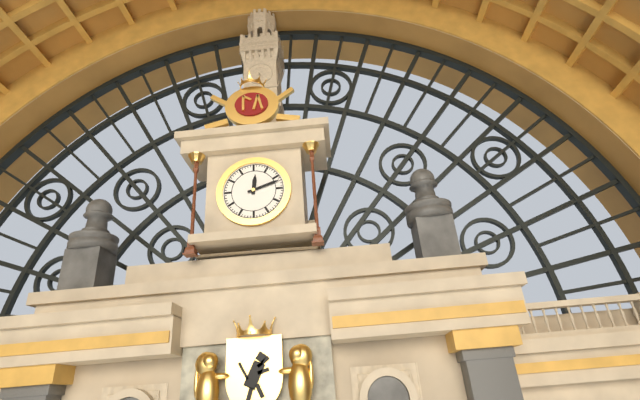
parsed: **12:12**
